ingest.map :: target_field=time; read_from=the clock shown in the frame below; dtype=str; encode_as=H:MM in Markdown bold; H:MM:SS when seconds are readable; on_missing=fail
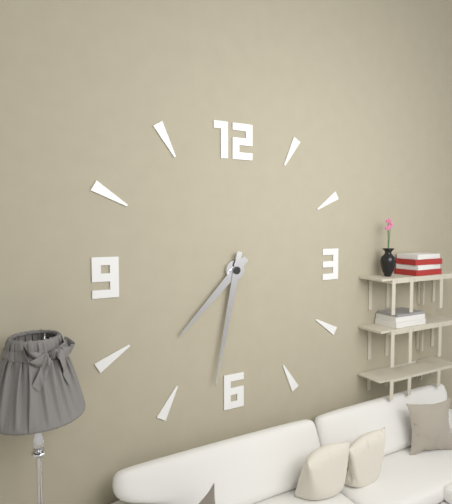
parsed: **7:32**
